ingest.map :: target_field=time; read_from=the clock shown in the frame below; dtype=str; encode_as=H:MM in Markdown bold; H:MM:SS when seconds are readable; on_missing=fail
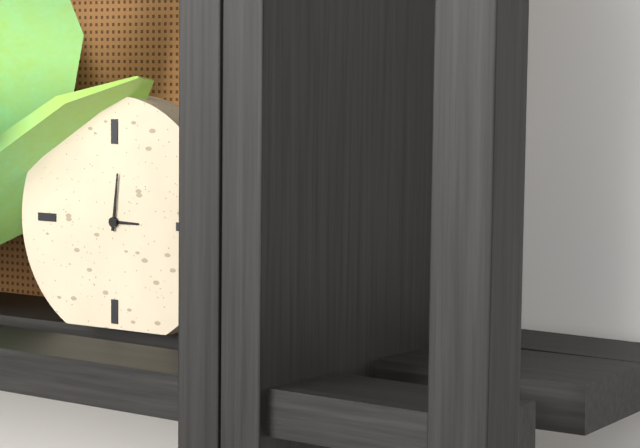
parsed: **3:01**
